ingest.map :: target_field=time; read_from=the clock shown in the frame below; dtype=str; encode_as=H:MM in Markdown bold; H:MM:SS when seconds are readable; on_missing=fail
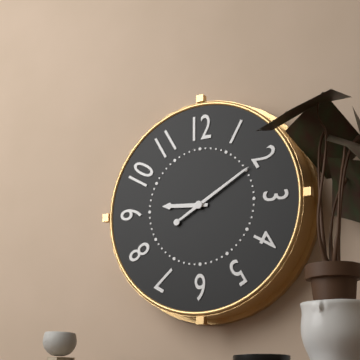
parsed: **9:10**
